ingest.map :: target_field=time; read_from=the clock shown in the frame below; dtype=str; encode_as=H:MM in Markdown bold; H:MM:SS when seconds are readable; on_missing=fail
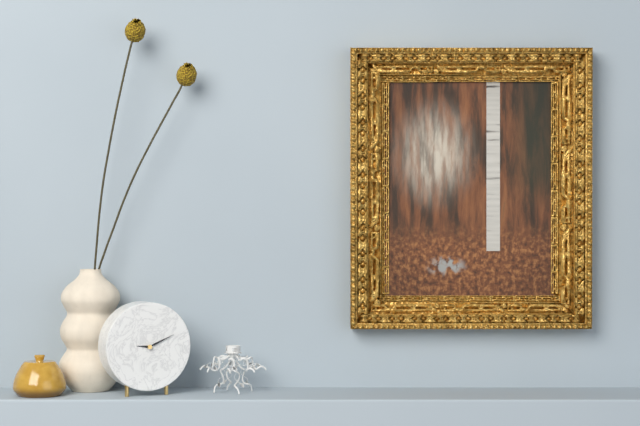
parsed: **9:11**
